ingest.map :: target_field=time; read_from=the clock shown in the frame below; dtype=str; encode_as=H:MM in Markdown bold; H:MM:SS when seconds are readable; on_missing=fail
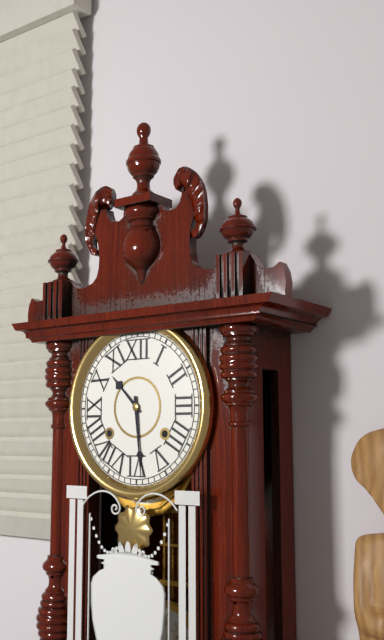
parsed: **10:29**
